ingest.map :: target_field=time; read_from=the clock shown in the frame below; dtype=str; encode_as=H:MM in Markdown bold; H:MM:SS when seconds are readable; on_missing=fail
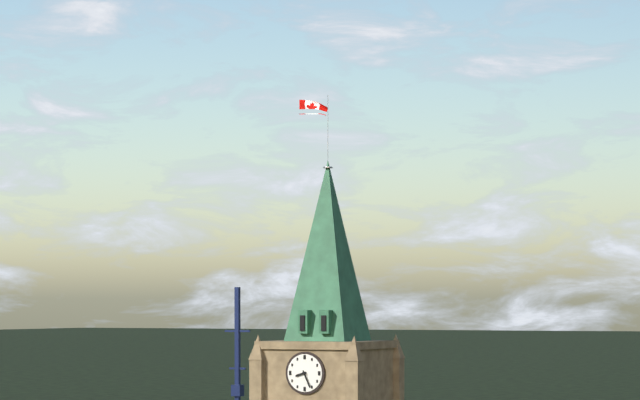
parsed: **8:26**
